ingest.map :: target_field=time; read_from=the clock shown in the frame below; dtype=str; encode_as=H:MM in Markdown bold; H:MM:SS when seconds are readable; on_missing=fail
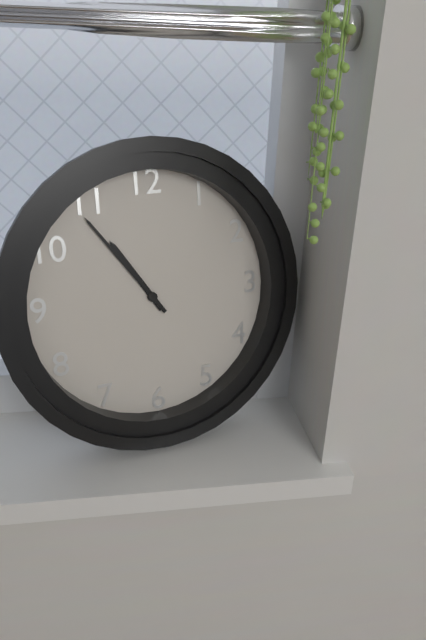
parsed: **10:54**
